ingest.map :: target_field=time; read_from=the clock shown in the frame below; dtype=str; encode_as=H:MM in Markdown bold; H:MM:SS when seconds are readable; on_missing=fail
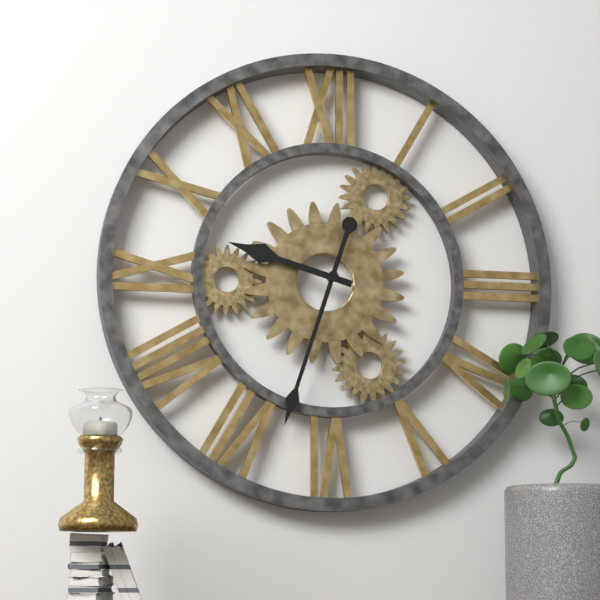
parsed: **9:33**
